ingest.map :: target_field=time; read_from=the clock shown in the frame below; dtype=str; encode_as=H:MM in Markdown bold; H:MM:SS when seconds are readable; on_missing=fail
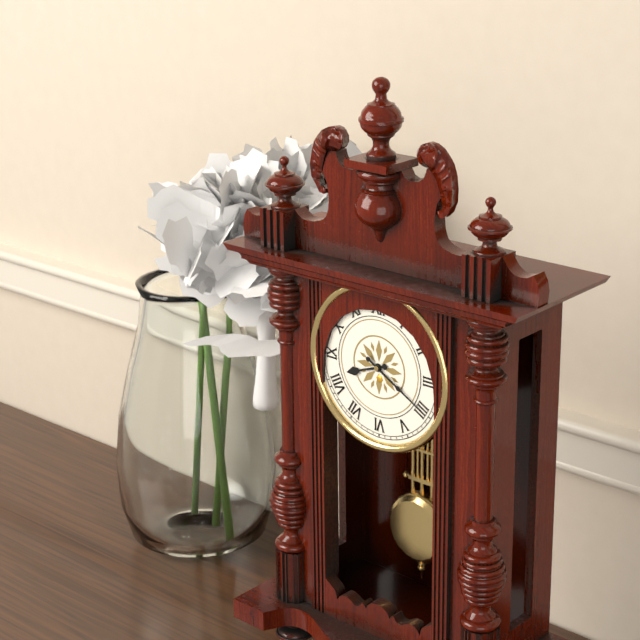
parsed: **8:20**
